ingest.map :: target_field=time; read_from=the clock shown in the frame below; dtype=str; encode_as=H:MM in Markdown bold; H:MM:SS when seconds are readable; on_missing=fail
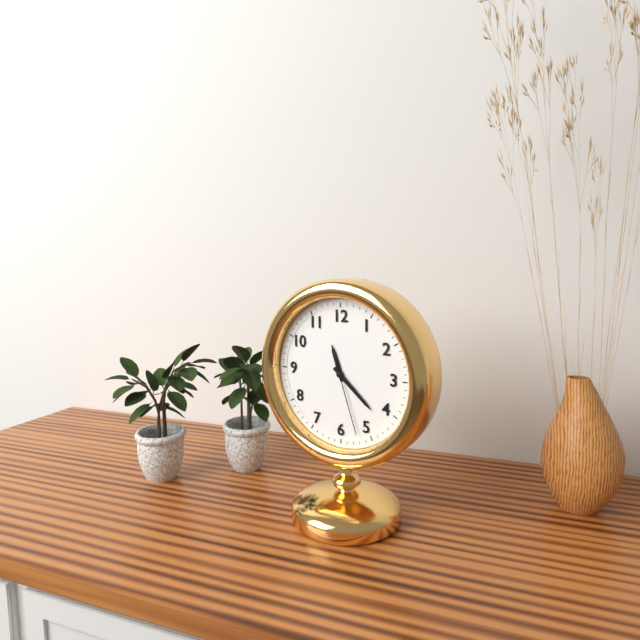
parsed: **11:22:27**
